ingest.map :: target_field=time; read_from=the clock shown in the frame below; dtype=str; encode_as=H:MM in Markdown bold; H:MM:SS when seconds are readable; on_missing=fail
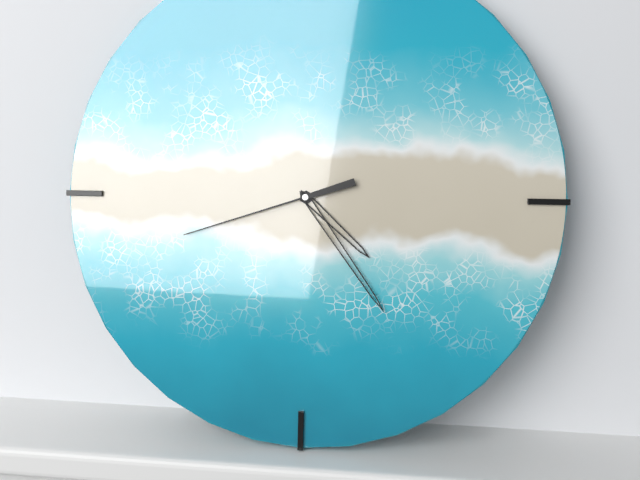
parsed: **4:24:42**
